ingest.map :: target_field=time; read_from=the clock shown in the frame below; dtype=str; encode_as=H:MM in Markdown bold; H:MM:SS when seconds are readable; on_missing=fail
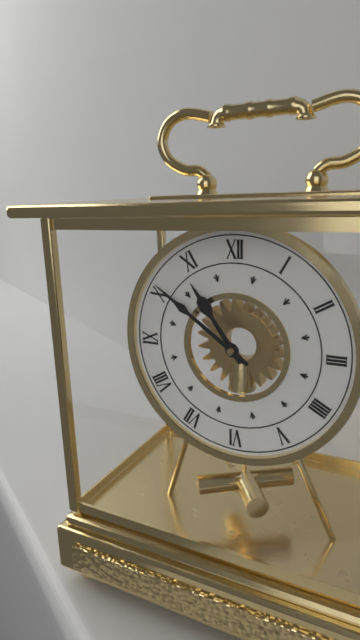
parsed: **10:51**
